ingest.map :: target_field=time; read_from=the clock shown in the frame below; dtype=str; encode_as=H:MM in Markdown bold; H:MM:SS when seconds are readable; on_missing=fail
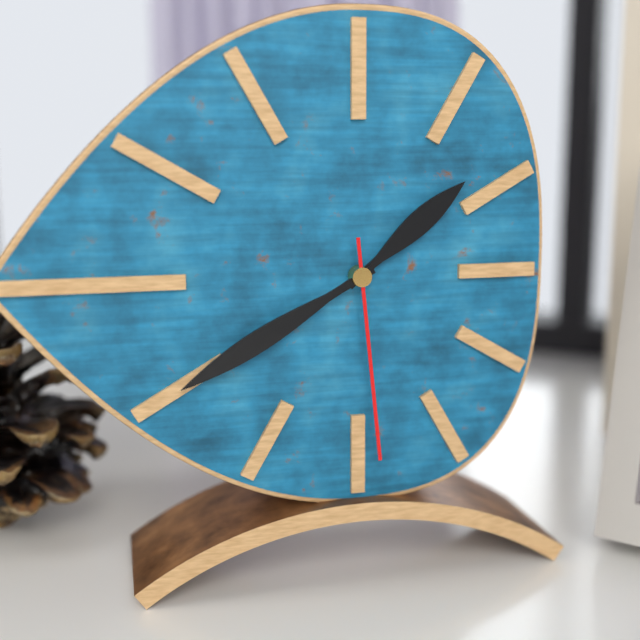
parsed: **1:40:29**
